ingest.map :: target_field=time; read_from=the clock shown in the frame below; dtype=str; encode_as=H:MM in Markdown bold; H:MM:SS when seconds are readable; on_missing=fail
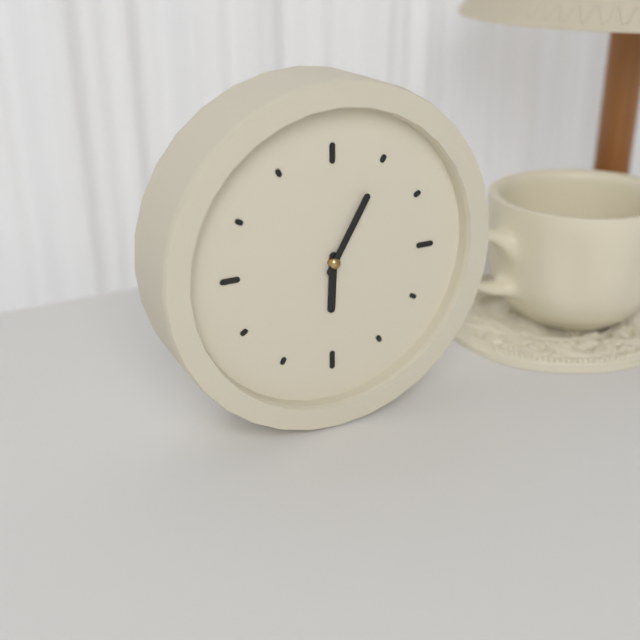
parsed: **6:05**
